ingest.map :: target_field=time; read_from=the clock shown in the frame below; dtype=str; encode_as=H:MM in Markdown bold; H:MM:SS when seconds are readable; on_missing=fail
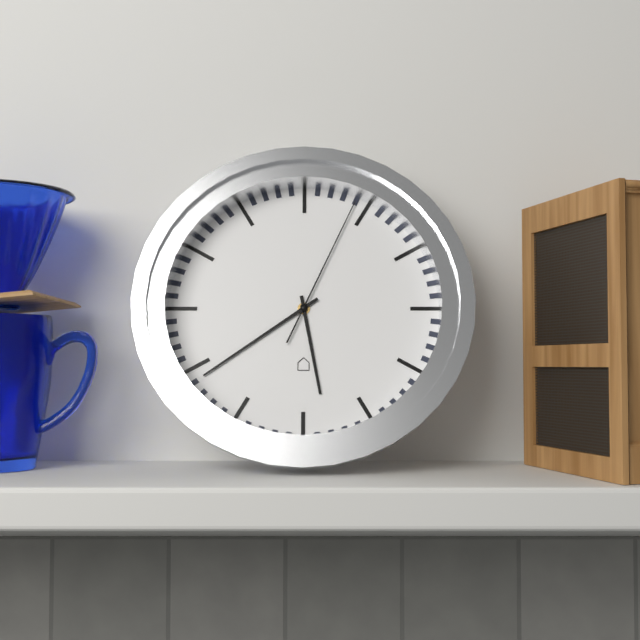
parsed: **5:39:04**
